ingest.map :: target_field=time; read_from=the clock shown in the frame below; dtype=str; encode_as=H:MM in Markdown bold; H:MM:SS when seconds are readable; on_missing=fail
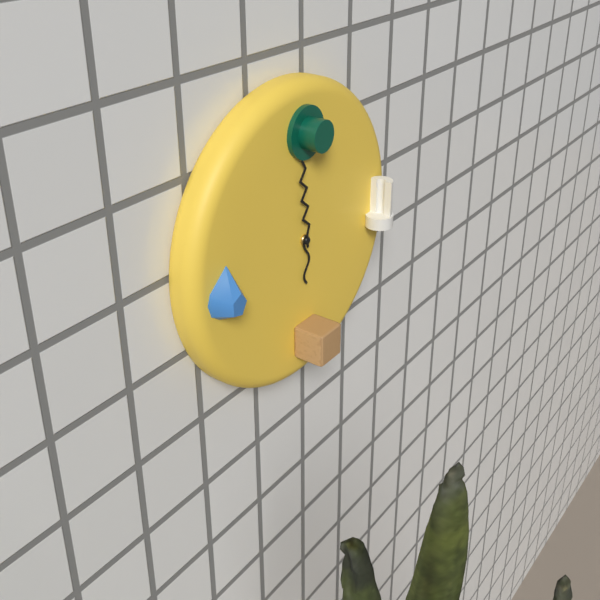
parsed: **5:59**
